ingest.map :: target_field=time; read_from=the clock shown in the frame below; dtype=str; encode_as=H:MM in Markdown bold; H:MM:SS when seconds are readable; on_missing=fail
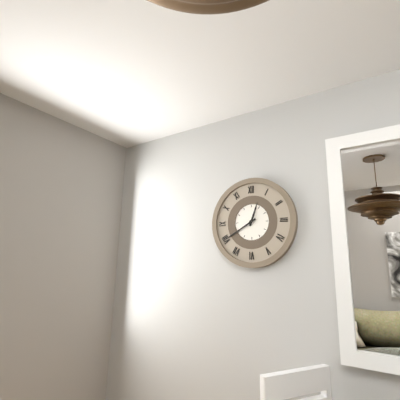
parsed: **12:40**
